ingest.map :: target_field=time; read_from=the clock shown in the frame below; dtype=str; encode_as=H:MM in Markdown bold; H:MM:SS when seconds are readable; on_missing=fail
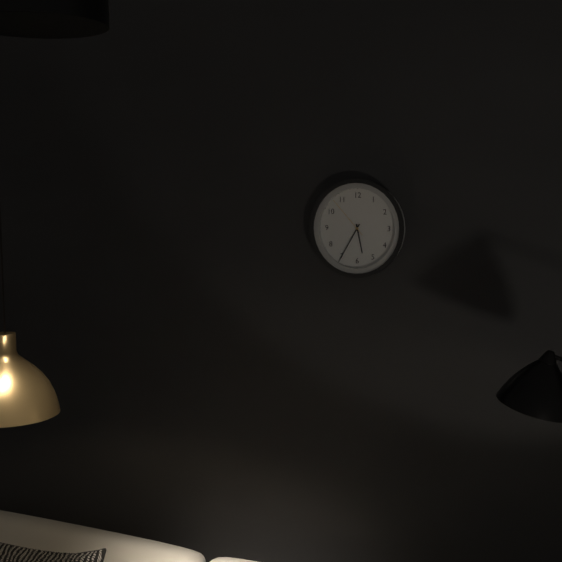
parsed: **5:35**
